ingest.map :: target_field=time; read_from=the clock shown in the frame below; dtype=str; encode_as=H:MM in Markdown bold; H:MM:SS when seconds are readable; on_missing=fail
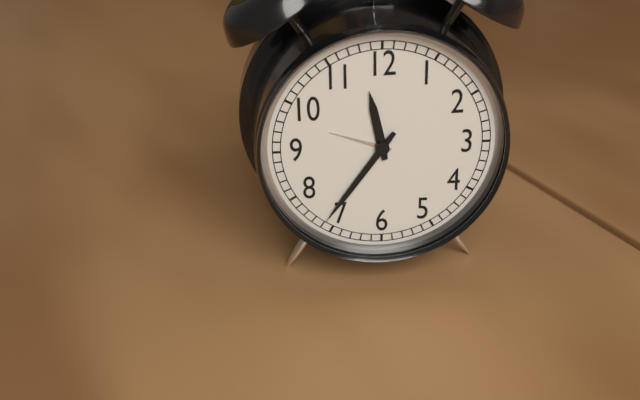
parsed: **11:36**
